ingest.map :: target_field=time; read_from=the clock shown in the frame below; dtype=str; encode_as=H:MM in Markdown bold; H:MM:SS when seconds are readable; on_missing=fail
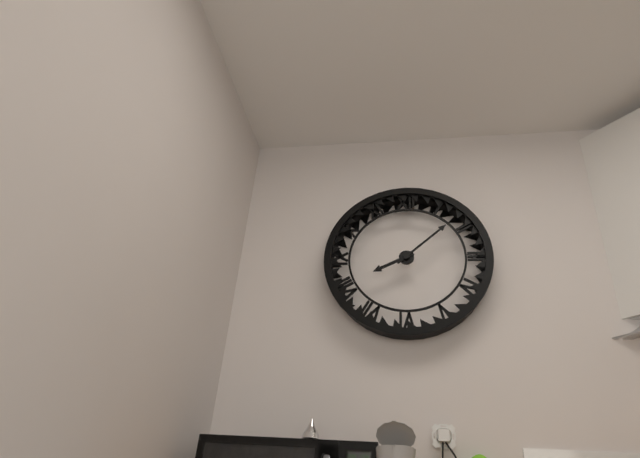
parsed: **8:08**
